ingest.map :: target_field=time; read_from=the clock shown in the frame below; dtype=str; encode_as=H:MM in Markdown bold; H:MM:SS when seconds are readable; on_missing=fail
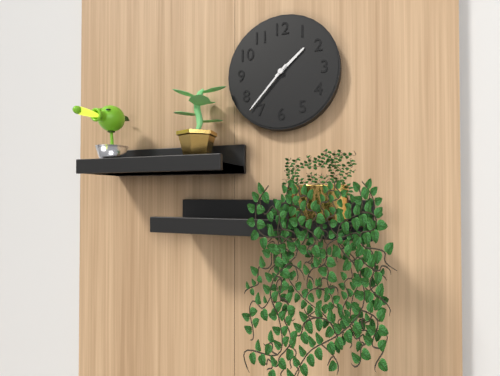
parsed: **1:37**
